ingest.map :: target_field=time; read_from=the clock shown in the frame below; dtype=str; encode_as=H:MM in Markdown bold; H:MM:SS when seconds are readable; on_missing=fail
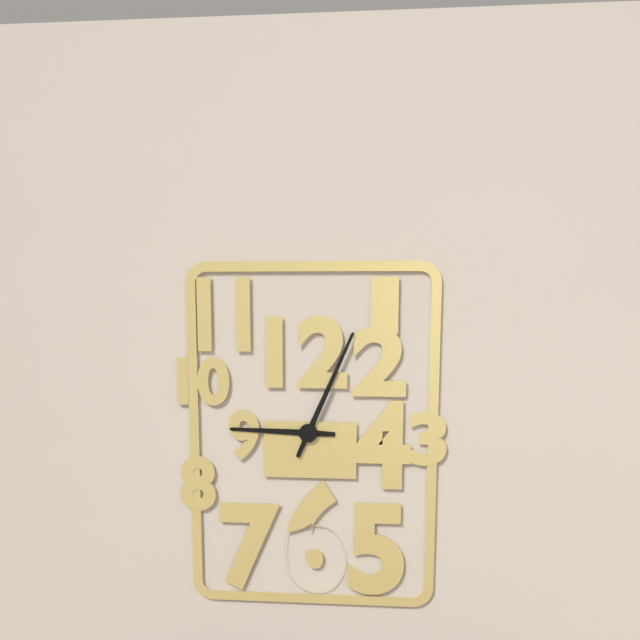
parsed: **9:04**
